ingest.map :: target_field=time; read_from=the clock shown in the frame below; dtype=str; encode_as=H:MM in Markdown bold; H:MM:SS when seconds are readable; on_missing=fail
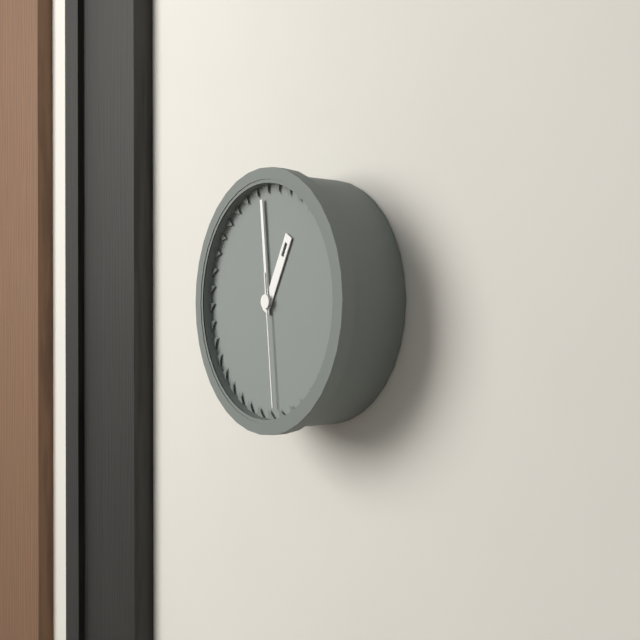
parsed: **12:59:29**
